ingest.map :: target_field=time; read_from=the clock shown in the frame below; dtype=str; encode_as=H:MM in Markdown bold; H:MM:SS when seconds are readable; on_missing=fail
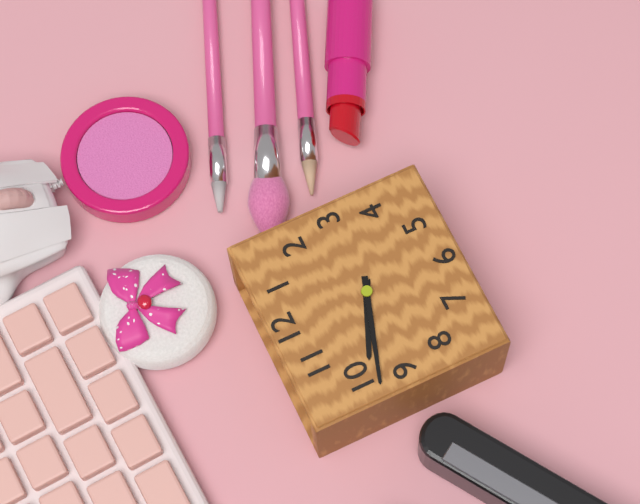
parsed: **9:48**
